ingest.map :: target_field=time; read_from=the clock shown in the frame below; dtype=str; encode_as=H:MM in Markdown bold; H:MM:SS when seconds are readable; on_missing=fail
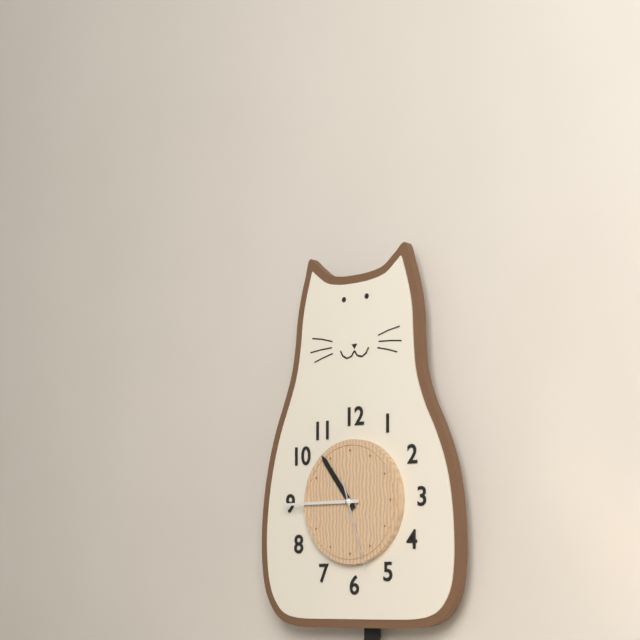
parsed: **10:45:27**
